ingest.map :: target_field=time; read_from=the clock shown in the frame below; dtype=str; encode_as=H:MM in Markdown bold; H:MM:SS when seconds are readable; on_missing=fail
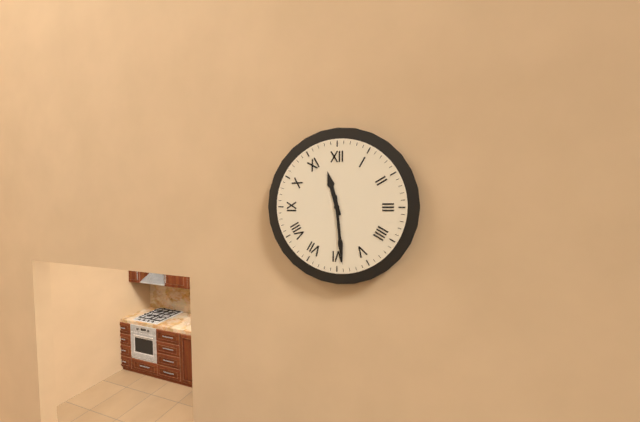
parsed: **11:29**
